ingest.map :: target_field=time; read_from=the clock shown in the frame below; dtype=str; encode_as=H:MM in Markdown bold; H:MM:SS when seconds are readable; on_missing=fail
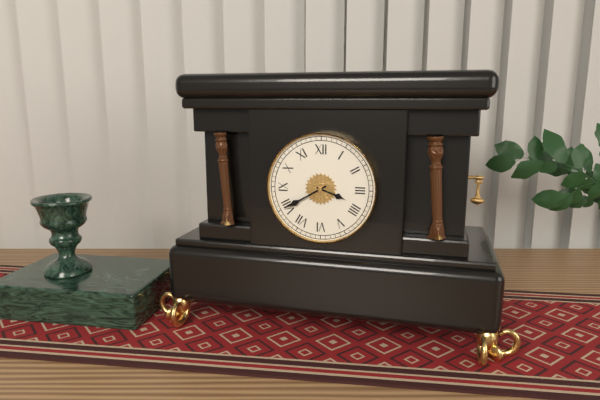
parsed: **3:40**
